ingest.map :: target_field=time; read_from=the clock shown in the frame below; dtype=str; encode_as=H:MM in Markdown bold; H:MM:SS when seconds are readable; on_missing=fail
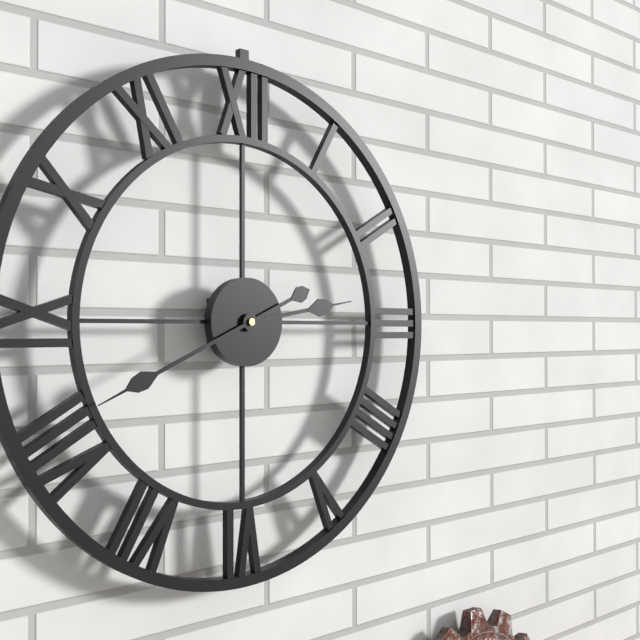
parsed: **2:41**
